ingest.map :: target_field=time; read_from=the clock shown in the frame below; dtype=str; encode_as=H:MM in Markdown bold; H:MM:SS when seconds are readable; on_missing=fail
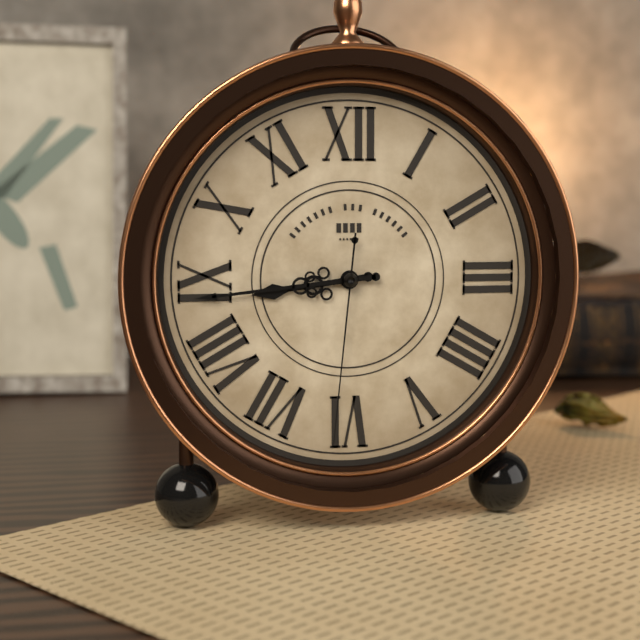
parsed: **8:44:31**
